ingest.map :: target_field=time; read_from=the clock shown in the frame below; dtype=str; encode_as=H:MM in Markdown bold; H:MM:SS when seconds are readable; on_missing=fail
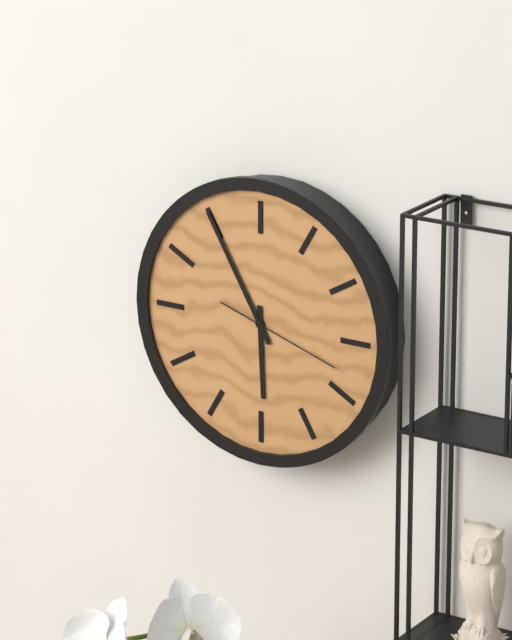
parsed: **5:55:18**
